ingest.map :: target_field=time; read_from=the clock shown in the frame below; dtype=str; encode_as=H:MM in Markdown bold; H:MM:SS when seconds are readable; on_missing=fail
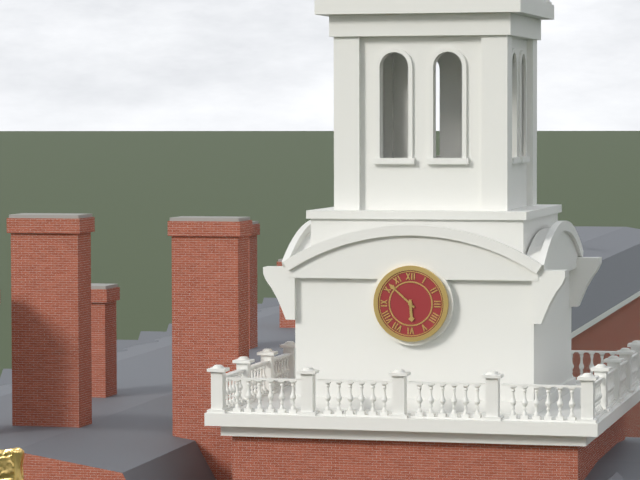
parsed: **5:52**
